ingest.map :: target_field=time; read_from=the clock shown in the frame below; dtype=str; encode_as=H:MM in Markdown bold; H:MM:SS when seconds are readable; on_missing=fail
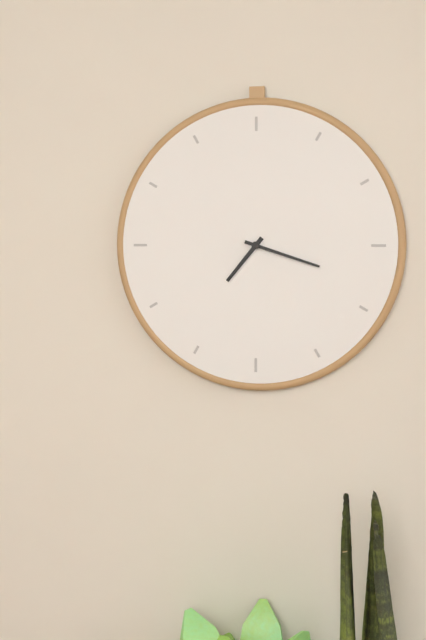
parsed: **7:18**
